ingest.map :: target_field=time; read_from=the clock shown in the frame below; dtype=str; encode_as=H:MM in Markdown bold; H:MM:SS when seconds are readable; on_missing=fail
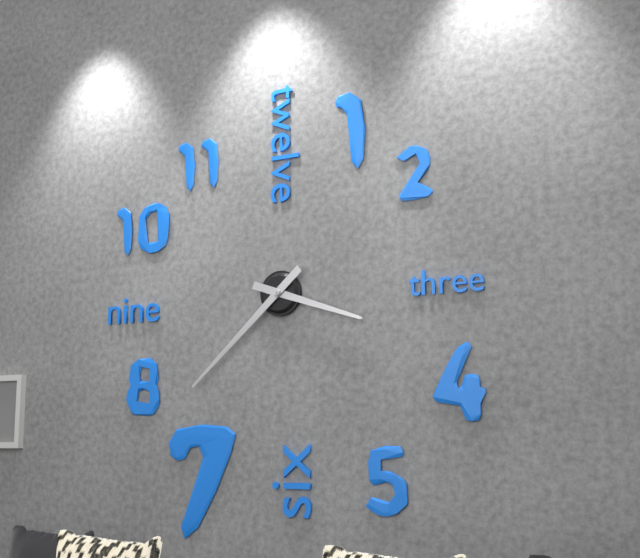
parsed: **3:38**
